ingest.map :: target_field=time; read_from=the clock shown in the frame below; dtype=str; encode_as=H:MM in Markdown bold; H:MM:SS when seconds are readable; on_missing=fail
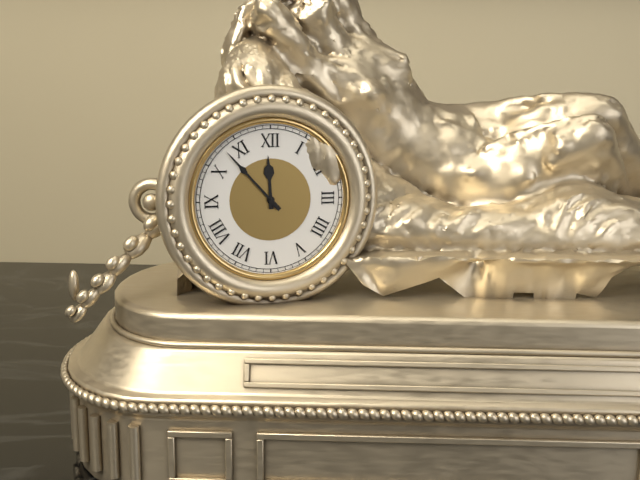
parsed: **11:53**
